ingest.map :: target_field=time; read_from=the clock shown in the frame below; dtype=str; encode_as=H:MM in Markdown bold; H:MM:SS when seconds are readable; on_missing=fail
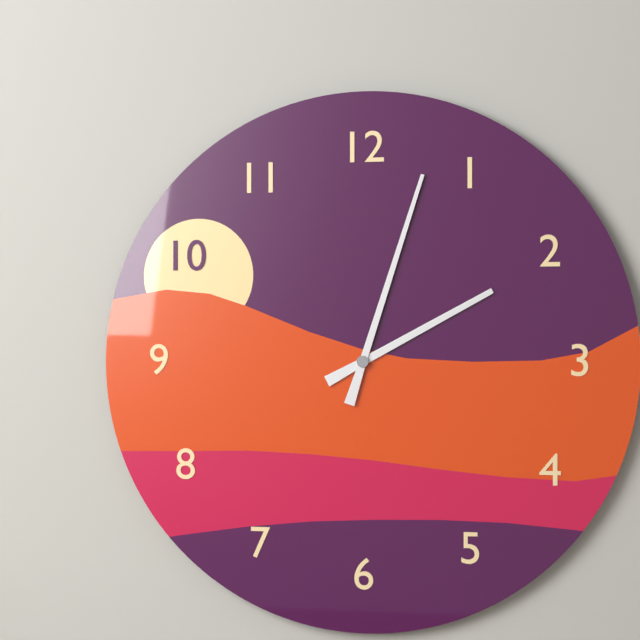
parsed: **2:03**
